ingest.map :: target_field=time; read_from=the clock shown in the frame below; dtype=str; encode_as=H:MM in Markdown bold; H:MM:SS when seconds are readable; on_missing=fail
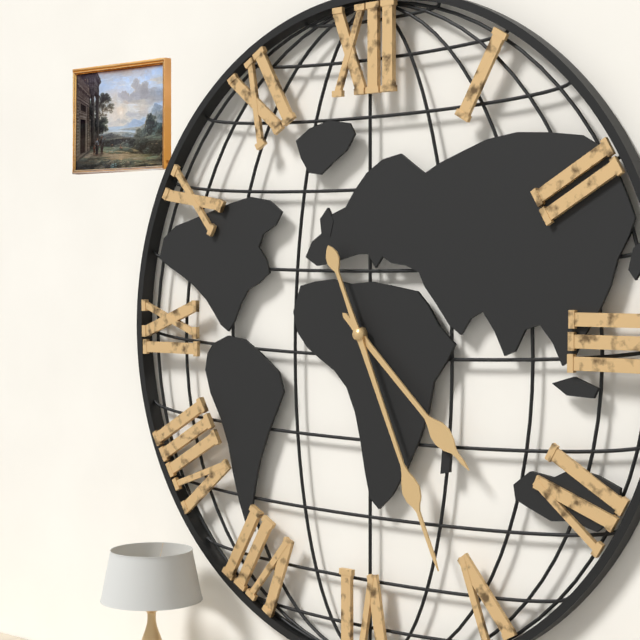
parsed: **4:26**
